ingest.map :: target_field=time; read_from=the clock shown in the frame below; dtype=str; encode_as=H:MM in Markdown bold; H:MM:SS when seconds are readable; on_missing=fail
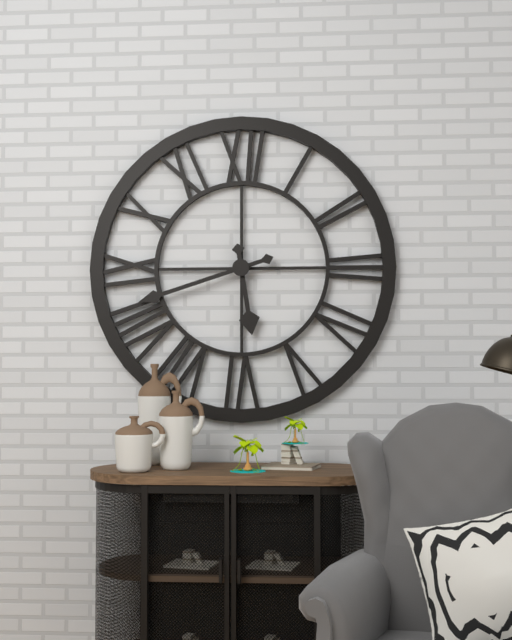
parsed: **5:42**
